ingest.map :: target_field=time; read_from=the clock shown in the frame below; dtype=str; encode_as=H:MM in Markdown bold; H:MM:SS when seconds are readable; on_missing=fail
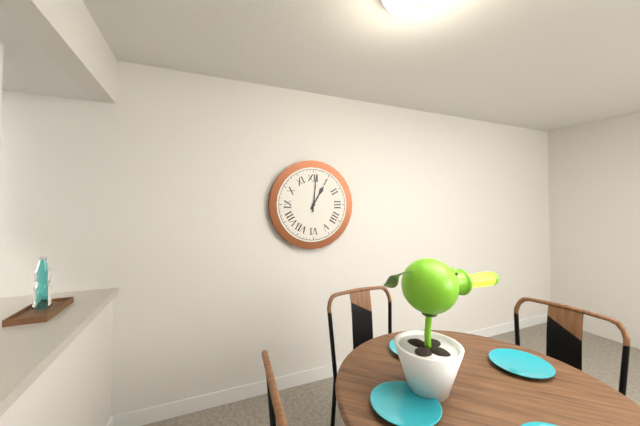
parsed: **1:01**
